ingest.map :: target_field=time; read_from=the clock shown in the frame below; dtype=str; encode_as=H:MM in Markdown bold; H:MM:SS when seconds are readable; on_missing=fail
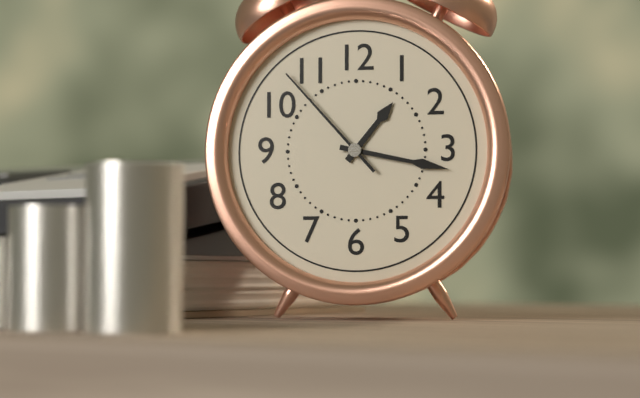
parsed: **1:17:53**
